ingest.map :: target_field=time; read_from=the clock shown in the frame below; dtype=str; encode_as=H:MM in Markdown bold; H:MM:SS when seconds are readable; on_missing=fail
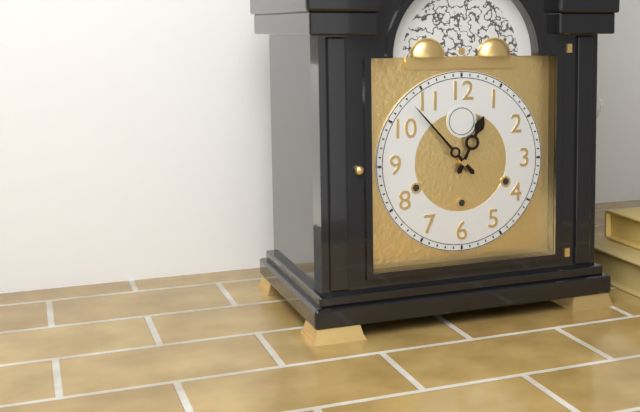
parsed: **12:53**
